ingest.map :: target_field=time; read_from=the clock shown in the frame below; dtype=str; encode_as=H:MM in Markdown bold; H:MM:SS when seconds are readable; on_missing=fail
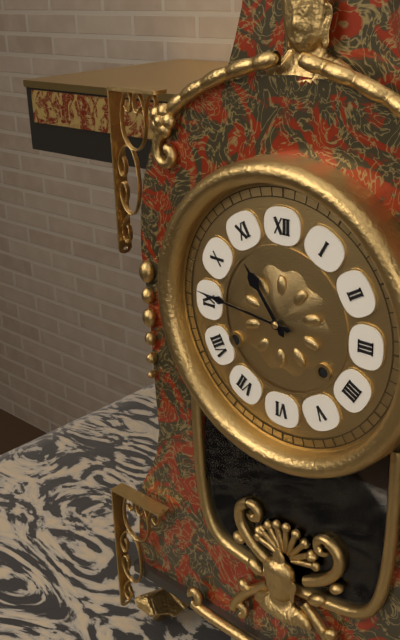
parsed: **10:46**
